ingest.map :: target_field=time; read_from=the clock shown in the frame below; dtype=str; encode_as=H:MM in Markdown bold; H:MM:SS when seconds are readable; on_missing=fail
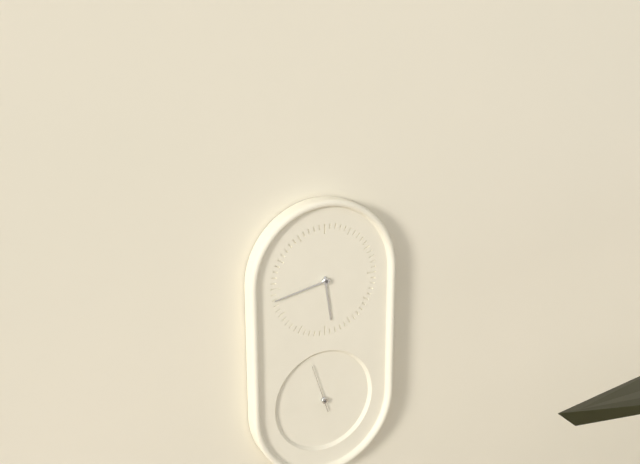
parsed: **5:43**
